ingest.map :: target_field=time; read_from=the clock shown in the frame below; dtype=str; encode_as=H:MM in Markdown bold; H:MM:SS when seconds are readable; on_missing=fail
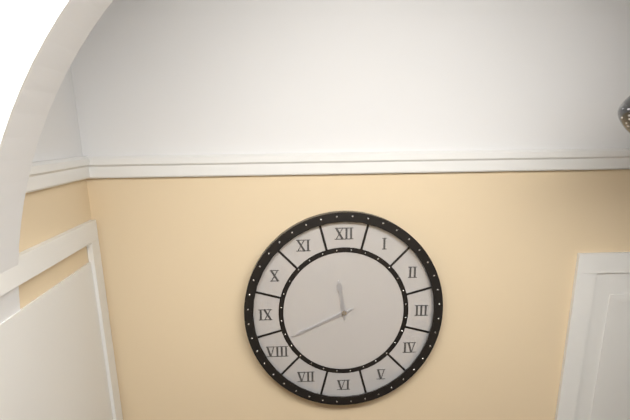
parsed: **11:41**
